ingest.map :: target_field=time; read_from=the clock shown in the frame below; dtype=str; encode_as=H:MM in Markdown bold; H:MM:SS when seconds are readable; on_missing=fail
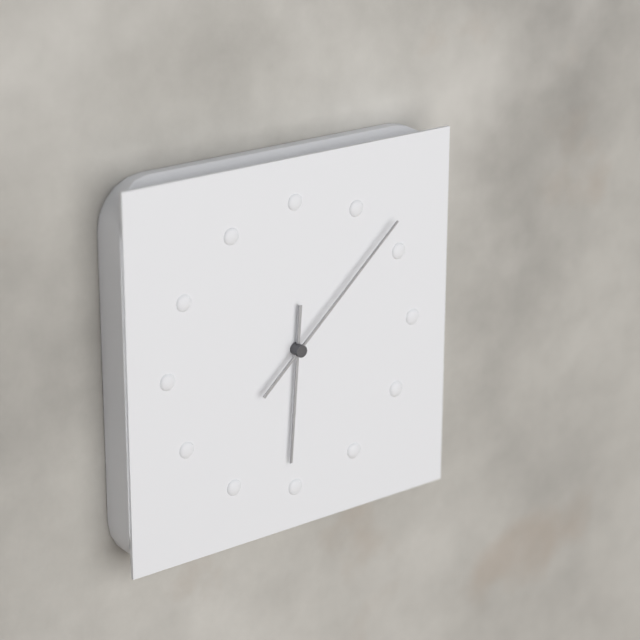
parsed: **6:08**
